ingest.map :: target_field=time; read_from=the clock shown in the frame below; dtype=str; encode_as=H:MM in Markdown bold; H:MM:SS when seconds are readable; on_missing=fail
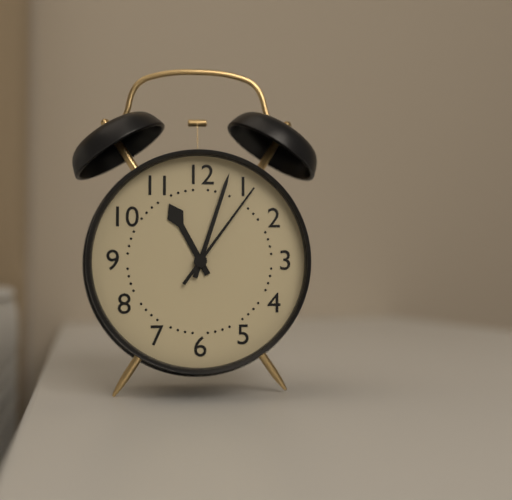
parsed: **11:03:06**
